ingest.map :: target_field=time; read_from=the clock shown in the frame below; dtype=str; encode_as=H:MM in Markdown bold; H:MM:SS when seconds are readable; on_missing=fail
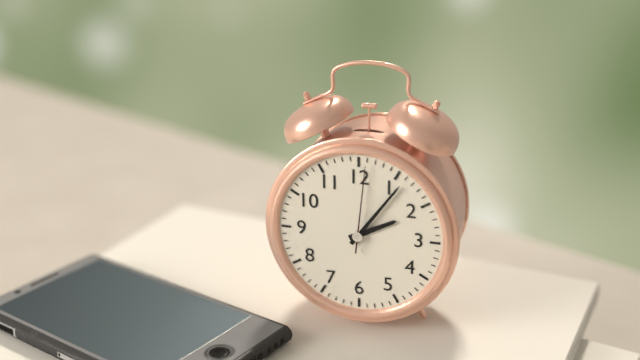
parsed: **2:06:01**
